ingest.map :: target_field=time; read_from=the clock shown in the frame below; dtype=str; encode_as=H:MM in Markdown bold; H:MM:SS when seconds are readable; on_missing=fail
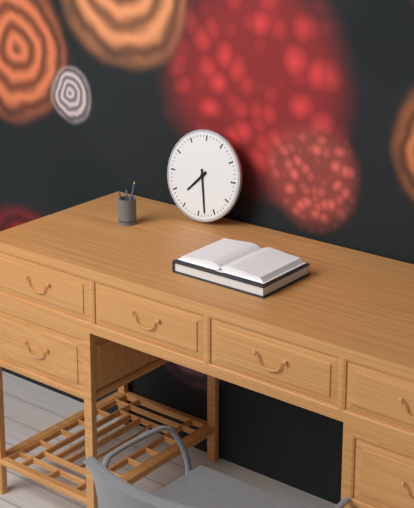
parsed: **7:28**
